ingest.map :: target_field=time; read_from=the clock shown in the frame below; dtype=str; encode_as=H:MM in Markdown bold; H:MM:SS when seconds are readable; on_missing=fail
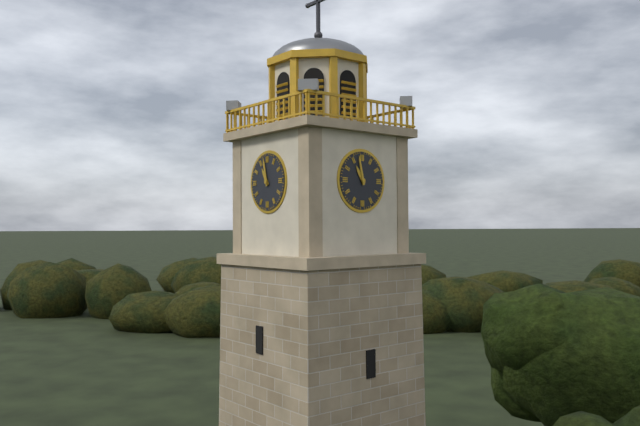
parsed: **10:58**
